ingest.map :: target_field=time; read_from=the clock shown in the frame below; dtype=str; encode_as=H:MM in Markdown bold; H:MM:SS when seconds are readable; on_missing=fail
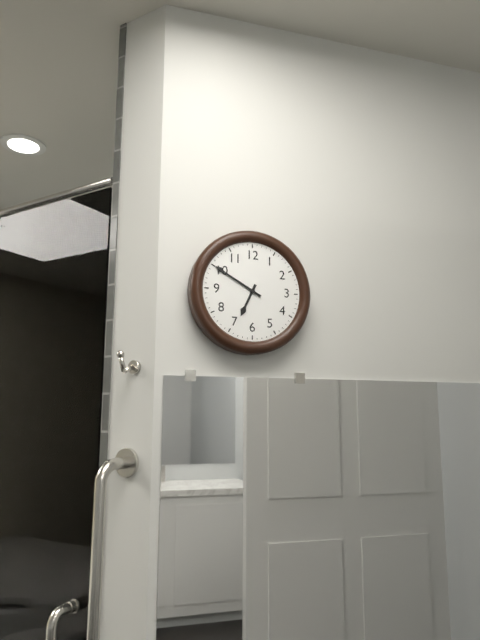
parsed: **6:50**
